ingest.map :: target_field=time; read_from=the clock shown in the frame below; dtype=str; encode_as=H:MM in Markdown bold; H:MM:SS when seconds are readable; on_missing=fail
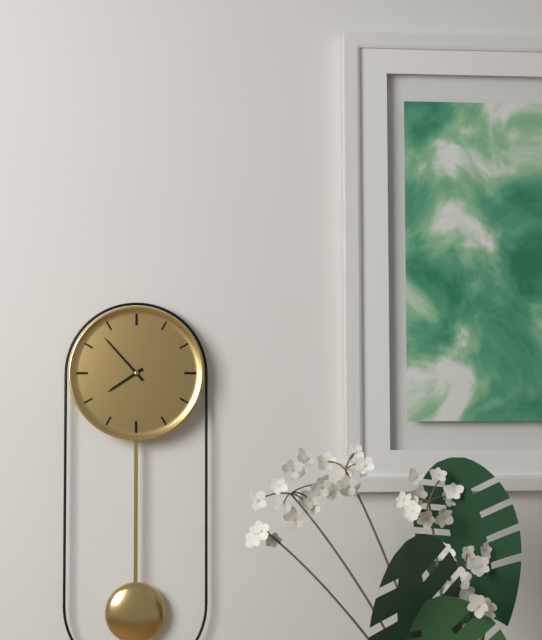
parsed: **7:53**
